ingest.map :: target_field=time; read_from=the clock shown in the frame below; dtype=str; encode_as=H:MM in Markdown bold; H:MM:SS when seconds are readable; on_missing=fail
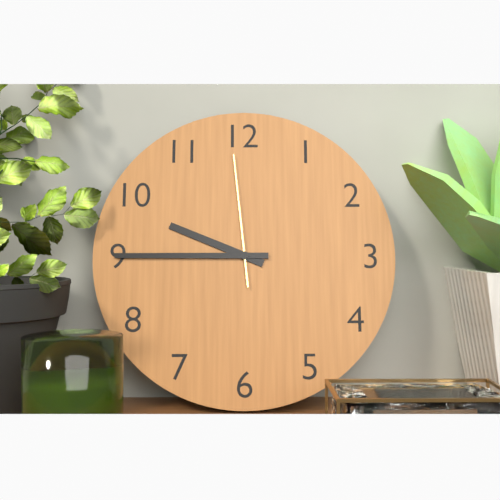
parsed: **9:45:59**
